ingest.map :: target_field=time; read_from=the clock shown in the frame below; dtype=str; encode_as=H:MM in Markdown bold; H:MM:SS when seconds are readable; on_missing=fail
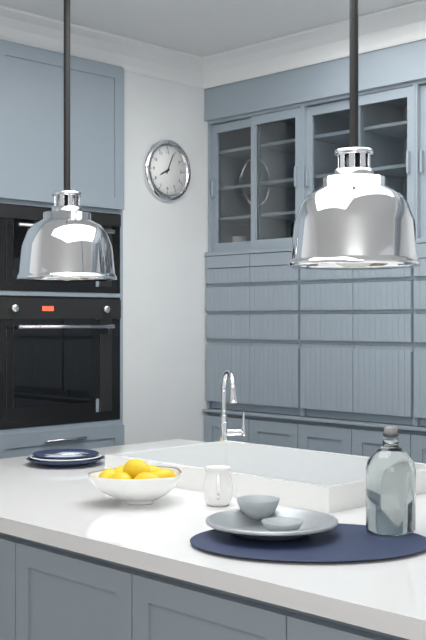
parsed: **8:04**
